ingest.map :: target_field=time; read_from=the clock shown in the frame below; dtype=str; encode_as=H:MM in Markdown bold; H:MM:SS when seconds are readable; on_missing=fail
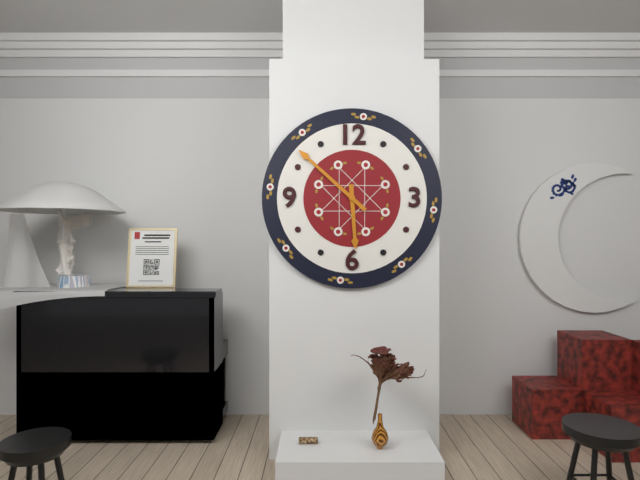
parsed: **5:52**
